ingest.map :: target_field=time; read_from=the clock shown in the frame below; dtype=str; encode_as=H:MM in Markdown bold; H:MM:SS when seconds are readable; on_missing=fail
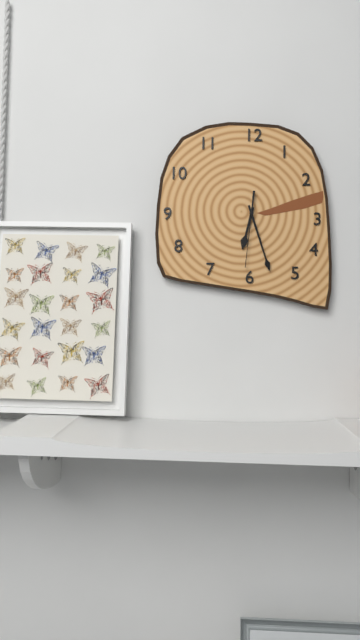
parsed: **6:27:31**
